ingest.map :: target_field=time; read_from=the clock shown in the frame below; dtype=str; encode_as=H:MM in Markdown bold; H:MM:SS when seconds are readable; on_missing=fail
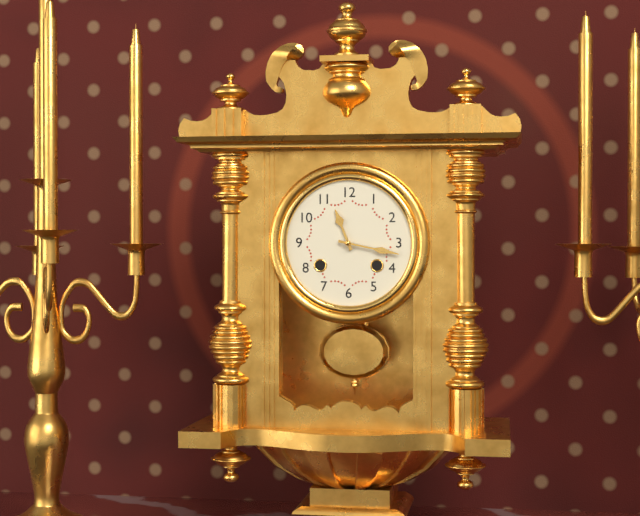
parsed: **11:17**
